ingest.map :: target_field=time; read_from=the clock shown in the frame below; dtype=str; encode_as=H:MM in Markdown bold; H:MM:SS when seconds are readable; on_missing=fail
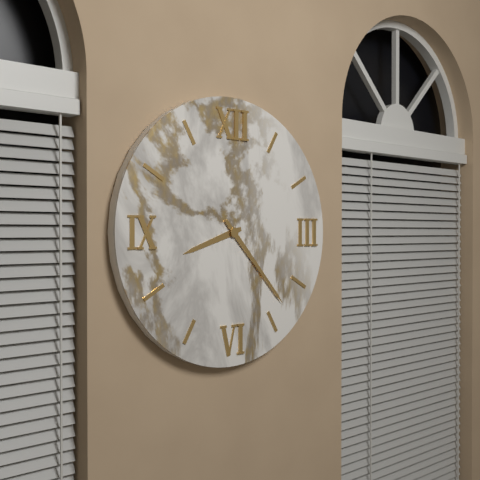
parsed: **8:23**
